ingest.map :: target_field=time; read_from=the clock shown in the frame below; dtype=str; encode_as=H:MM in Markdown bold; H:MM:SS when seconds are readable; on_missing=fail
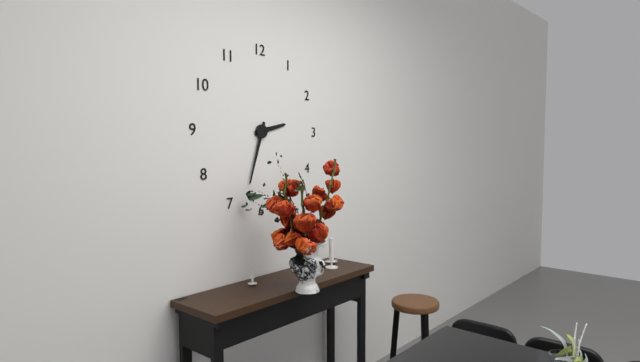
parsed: **2:33**
